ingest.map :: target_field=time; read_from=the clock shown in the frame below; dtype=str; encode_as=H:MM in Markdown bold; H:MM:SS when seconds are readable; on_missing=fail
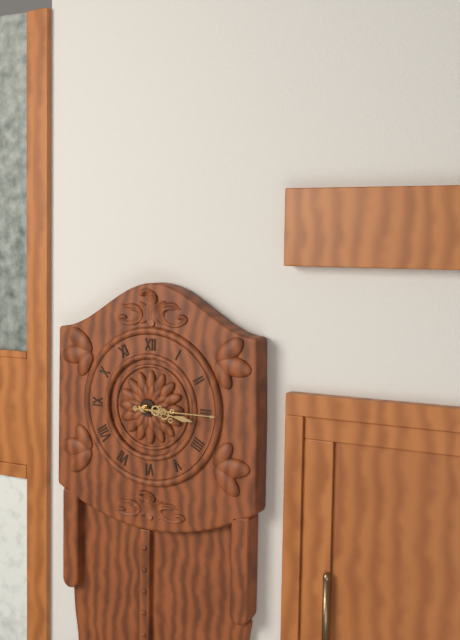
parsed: **3:15**
